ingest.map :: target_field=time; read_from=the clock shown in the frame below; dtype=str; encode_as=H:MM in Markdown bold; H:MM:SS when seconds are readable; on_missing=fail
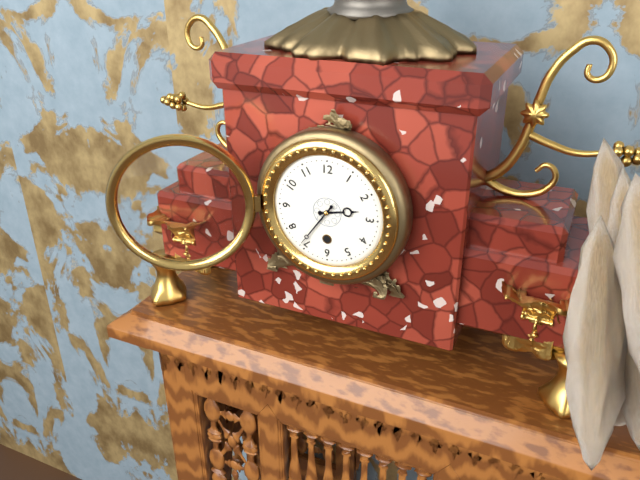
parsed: **2:36**
